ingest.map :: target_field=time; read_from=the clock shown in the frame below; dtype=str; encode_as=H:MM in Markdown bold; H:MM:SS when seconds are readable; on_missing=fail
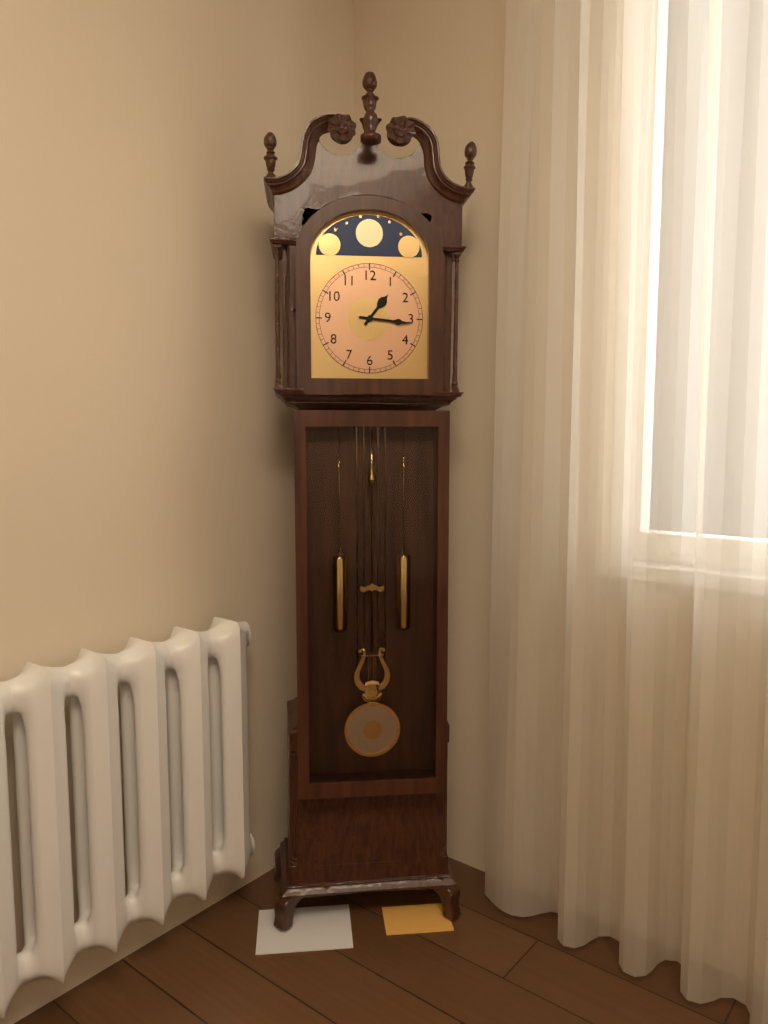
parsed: **1:16**
